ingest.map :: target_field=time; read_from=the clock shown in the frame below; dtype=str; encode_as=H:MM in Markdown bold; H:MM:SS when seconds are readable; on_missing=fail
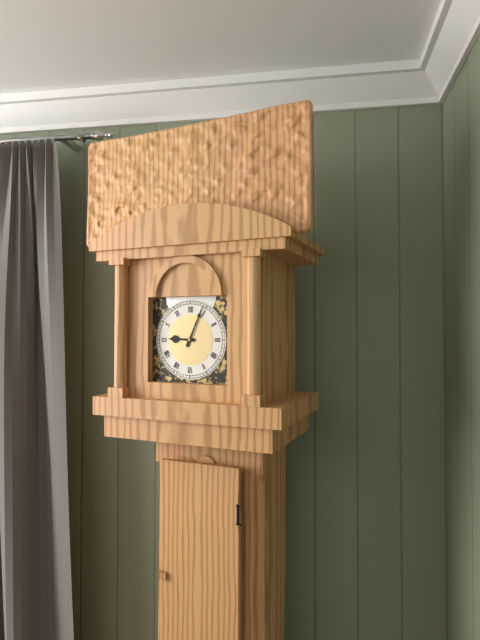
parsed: **9:04**
